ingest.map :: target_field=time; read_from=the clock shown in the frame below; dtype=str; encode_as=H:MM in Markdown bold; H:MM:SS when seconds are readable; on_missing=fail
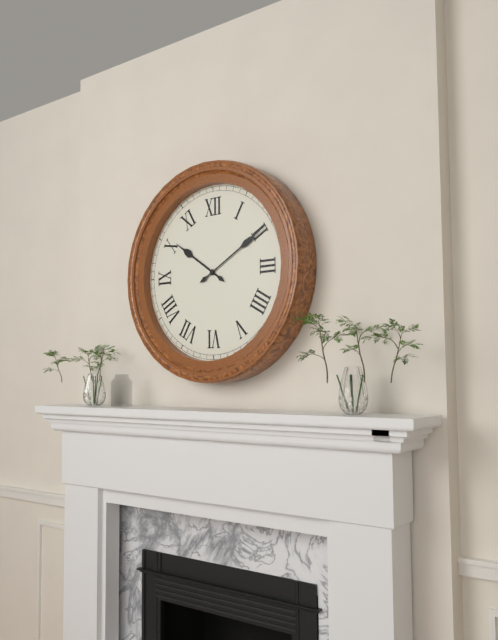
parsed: **10:10**
